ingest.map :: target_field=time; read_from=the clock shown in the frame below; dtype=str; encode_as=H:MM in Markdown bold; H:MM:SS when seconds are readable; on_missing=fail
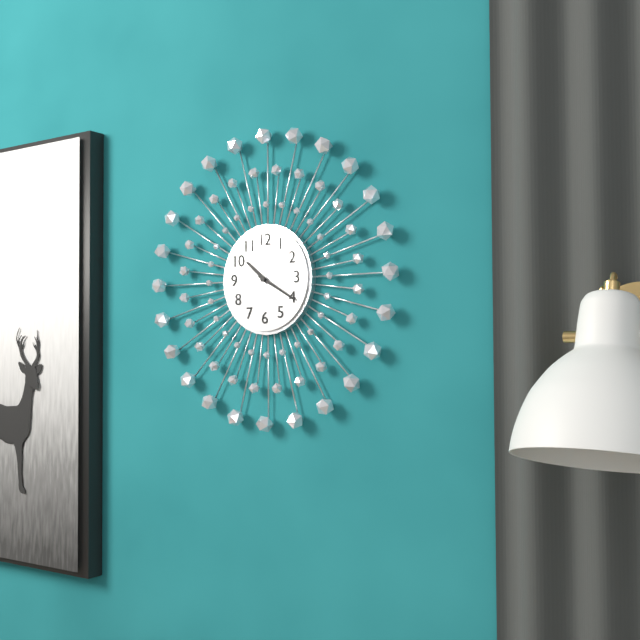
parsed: **10:20**
